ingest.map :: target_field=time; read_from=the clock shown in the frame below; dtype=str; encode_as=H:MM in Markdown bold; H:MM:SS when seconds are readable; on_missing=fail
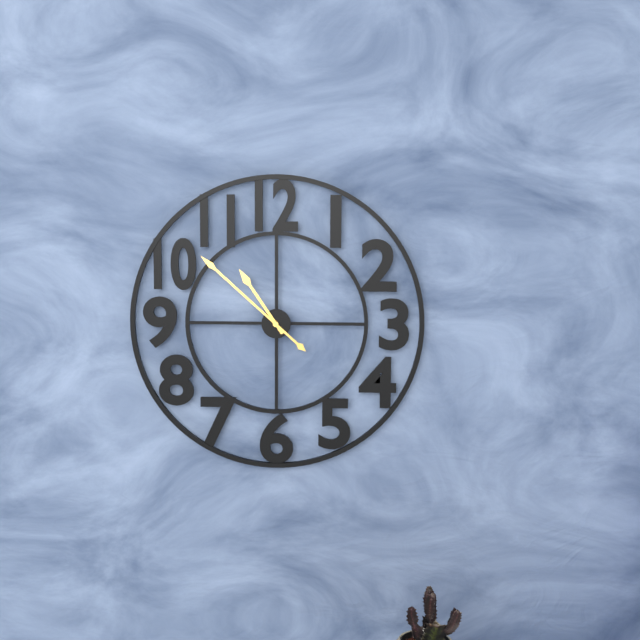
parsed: **10:52**
